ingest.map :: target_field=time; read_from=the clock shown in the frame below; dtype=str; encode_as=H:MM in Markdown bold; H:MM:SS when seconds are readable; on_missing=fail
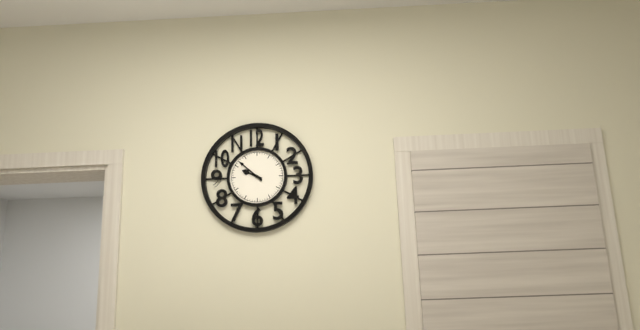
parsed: **9:52**
